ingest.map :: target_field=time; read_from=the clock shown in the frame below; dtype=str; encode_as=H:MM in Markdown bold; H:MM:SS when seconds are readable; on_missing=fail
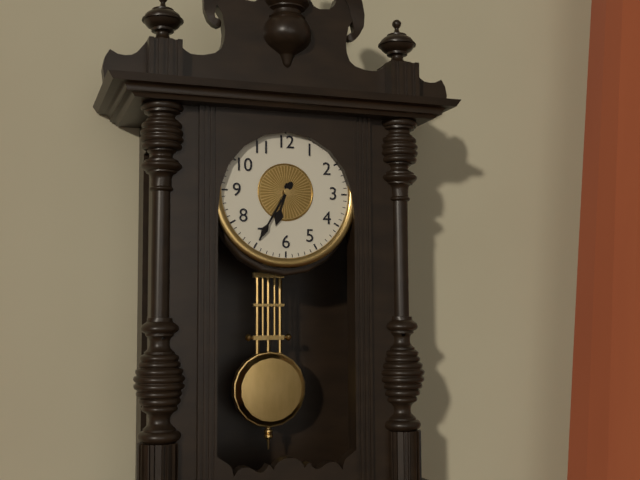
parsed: **6:35**
